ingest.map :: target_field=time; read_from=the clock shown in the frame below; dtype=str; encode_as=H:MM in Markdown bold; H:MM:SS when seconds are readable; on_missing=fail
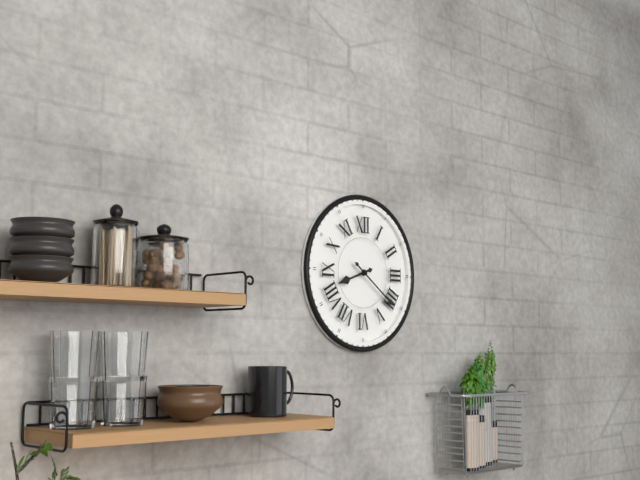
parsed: **8:21**
